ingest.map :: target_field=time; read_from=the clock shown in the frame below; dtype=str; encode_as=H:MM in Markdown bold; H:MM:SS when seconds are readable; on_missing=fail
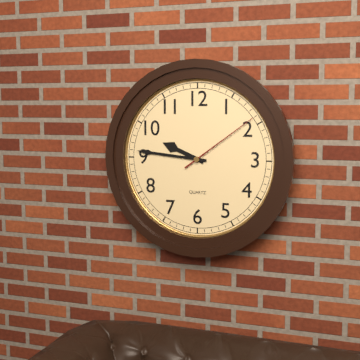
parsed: **9:46:09**
